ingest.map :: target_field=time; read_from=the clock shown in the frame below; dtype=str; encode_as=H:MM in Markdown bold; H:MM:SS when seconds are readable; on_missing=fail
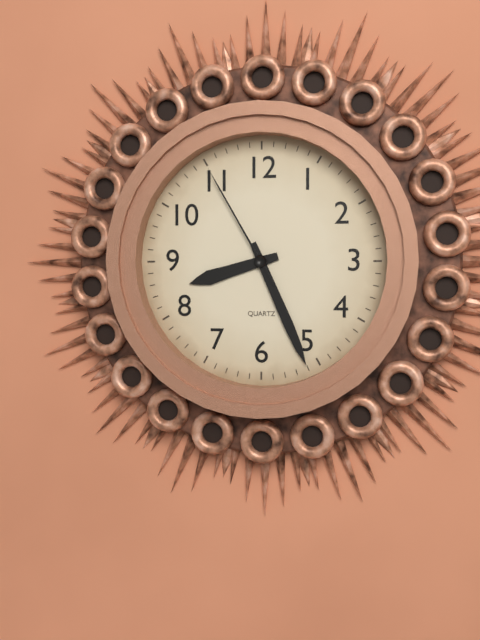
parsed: **8:26:55**
